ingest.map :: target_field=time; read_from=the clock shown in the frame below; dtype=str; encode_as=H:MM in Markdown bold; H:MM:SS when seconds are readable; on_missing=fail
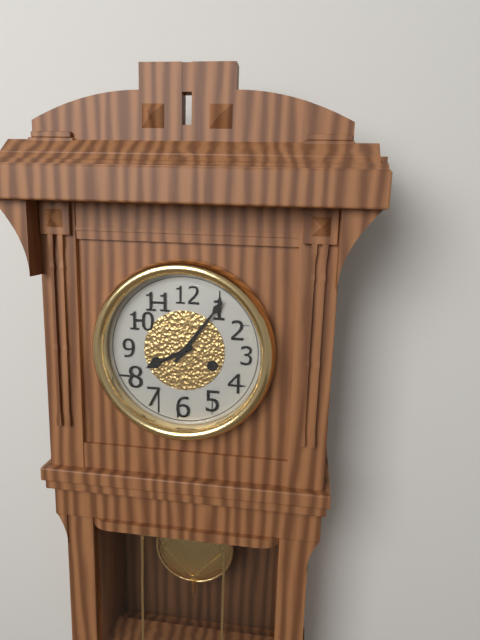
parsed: **8:06**
